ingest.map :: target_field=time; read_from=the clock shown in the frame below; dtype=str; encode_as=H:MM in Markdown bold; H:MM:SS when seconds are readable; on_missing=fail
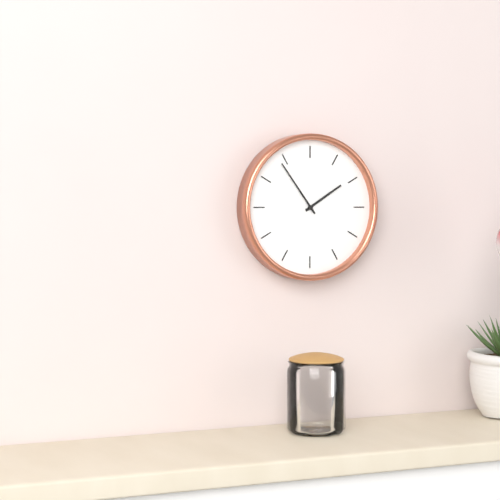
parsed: **1:54**
